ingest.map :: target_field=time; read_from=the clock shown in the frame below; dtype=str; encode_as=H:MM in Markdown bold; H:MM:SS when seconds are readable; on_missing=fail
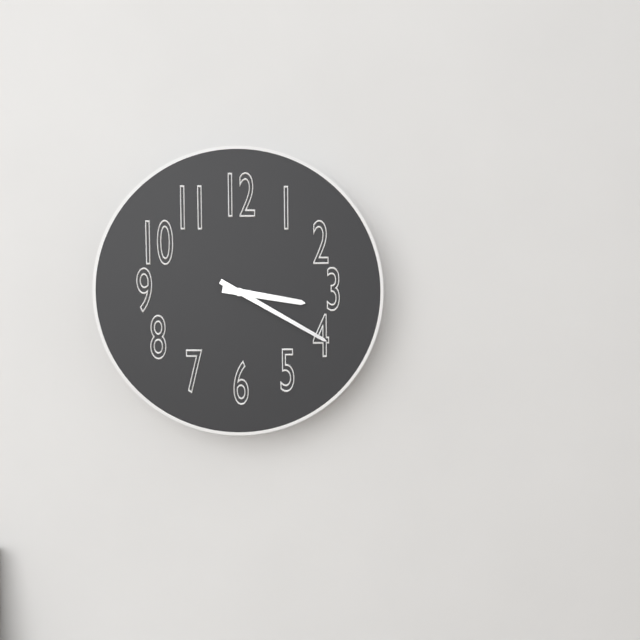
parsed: **3:20**
